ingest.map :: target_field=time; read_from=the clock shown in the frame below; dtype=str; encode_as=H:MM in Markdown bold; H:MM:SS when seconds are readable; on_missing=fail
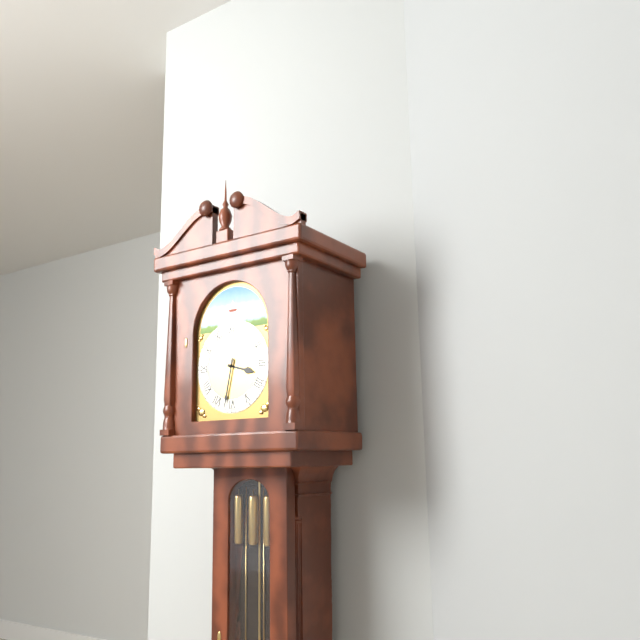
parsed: **3:32**
